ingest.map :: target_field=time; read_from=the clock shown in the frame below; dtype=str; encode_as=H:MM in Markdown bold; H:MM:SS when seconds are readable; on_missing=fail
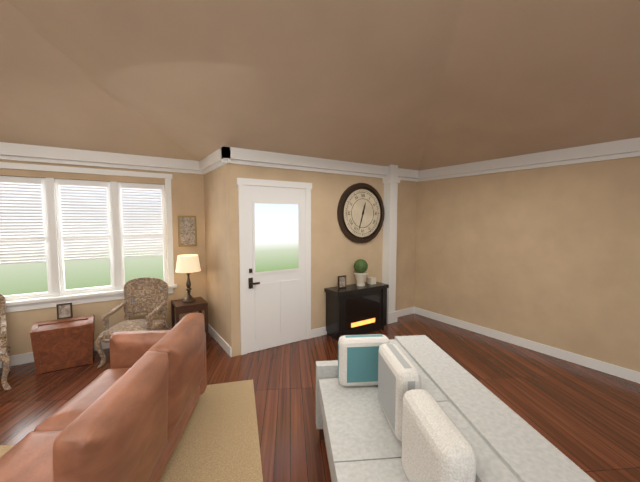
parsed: **12:33**
